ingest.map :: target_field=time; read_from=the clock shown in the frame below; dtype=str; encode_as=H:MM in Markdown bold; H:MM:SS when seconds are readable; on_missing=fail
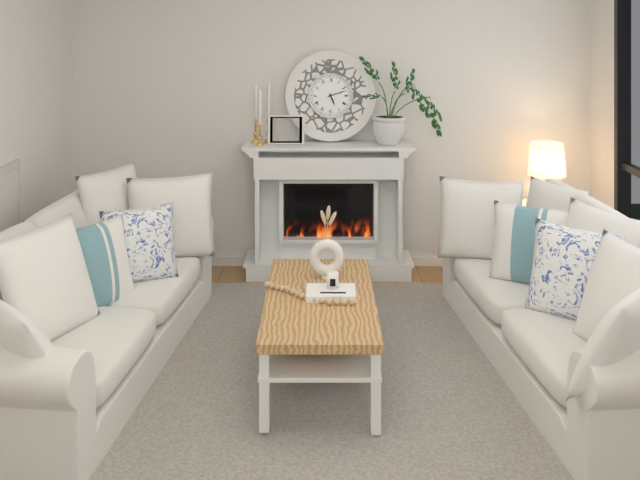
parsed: **5:12**
